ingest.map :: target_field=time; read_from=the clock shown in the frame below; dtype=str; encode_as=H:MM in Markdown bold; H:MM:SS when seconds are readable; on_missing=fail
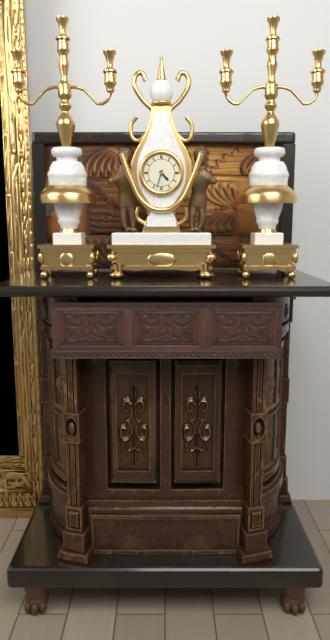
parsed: **4:33**
